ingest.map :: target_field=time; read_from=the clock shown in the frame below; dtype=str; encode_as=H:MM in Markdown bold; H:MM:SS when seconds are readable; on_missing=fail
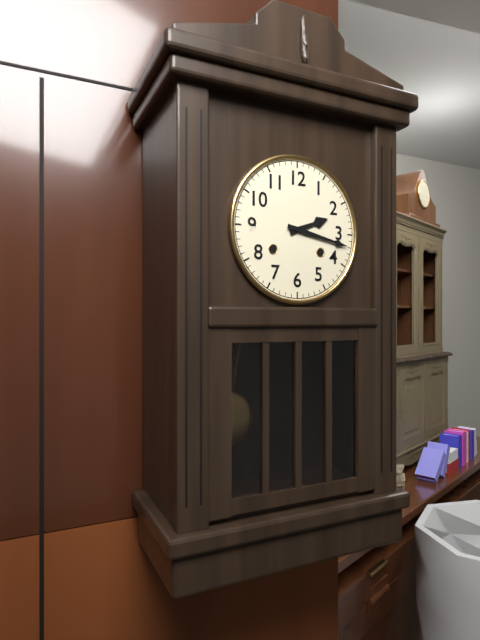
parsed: **2:17**
